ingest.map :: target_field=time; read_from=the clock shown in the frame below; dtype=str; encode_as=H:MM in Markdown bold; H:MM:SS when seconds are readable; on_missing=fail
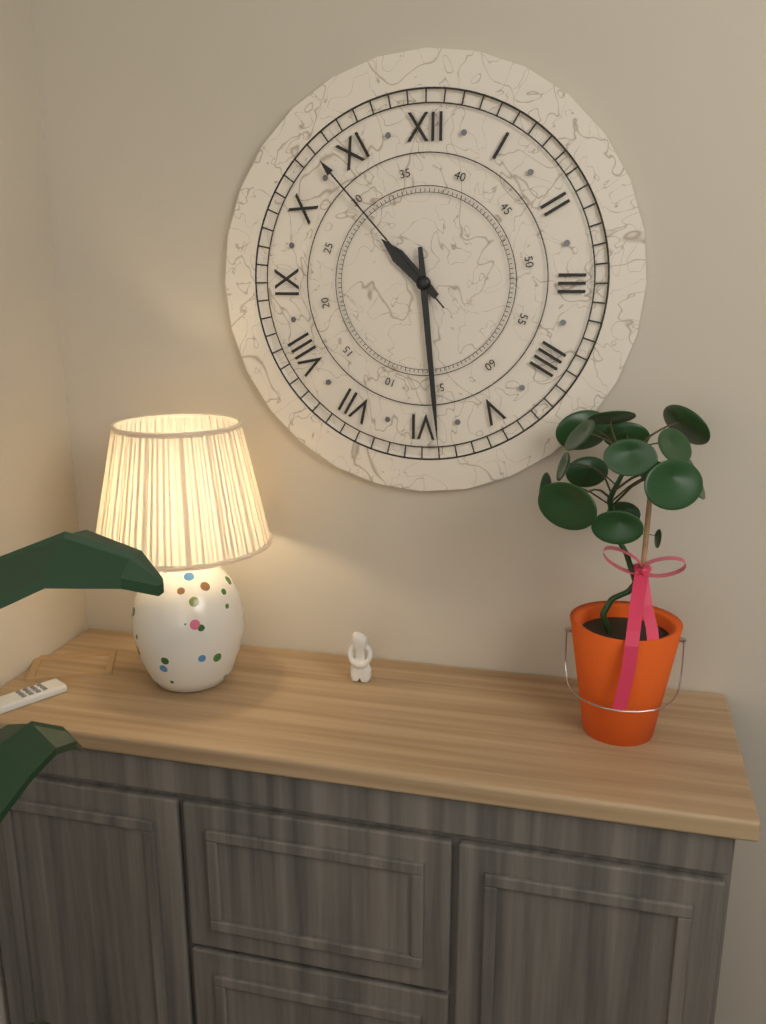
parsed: **10:29:53**
